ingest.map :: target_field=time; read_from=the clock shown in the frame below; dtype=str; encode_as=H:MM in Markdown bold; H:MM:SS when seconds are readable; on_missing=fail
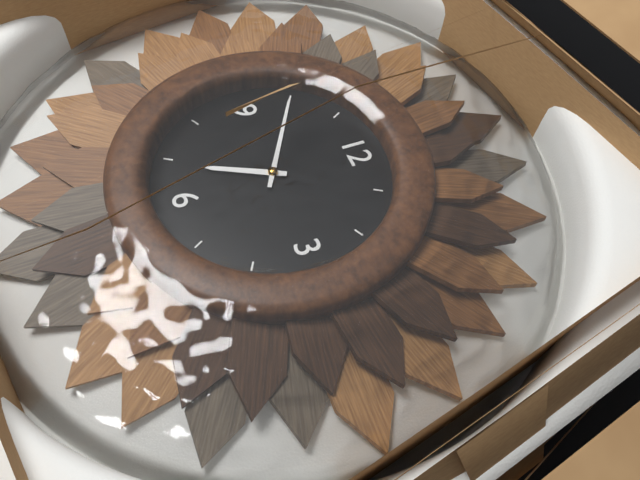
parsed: **6:50**
